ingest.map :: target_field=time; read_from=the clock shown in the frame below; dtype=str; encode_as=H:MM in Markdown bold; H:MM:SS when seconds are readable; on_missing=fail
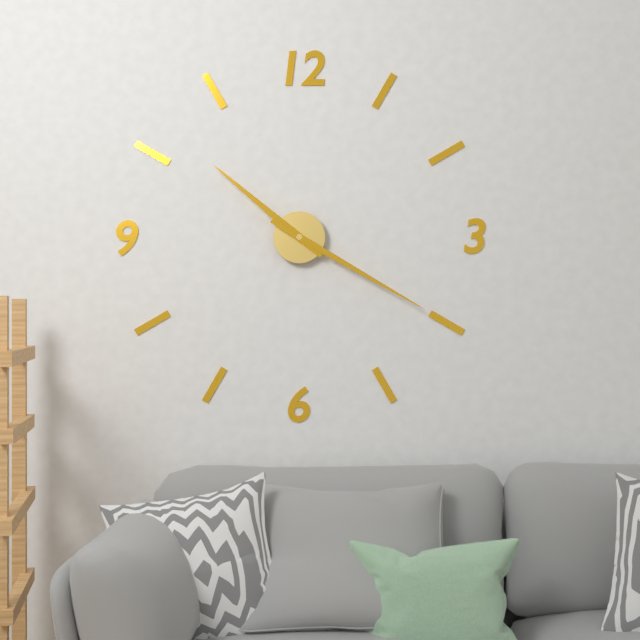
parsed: **10:20**
